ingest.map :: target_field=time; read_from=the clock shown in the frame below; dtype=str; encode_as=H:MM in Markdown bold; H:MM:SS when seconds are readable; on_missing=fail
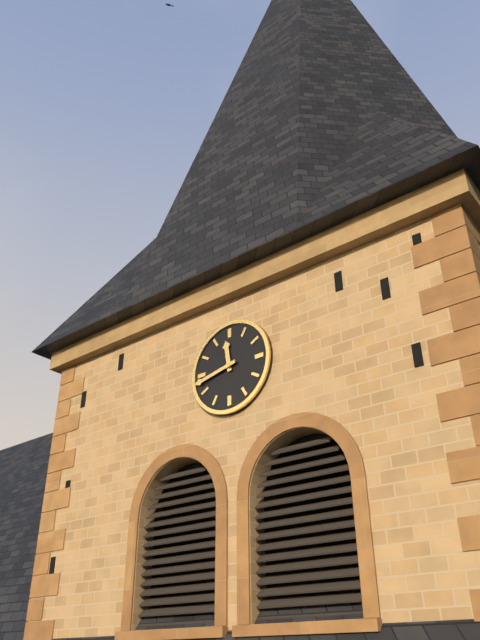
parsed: **11:43**
